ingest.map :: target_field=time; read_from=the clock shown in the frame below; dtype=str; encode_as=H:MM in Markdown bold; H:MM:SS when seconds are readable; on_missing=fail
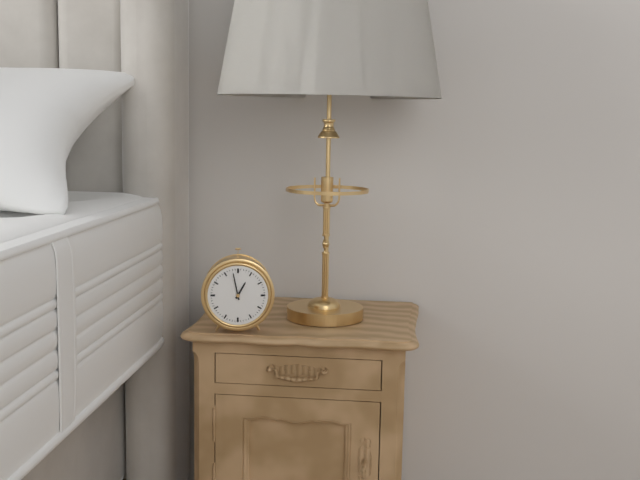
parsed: **12:58**
